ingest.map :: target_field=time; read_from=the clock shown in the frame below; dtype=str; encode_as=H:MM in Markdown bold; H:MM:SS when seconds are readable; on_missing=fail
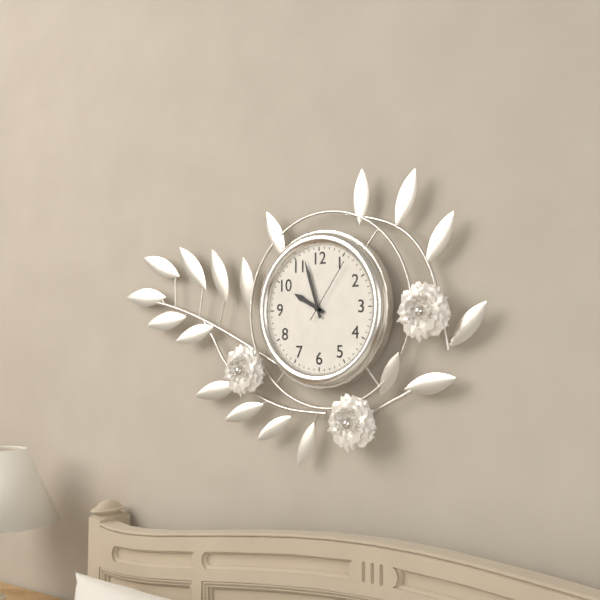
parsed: **9:57:06**
